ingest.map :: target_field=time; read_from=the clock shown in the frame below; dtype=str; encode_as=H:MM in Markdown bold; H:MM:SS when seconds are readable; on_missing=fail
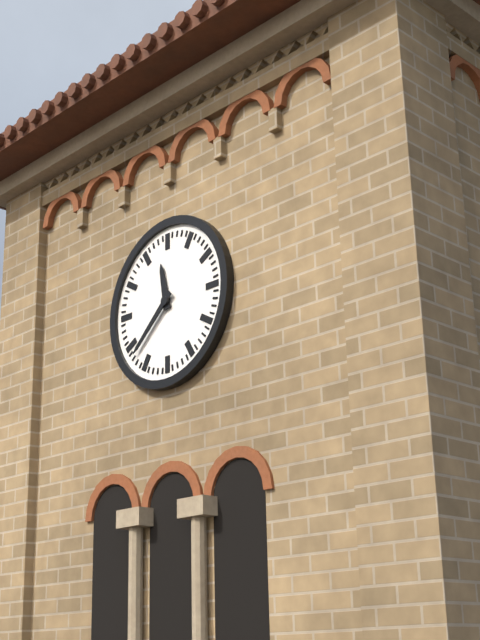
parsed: **11:38**
